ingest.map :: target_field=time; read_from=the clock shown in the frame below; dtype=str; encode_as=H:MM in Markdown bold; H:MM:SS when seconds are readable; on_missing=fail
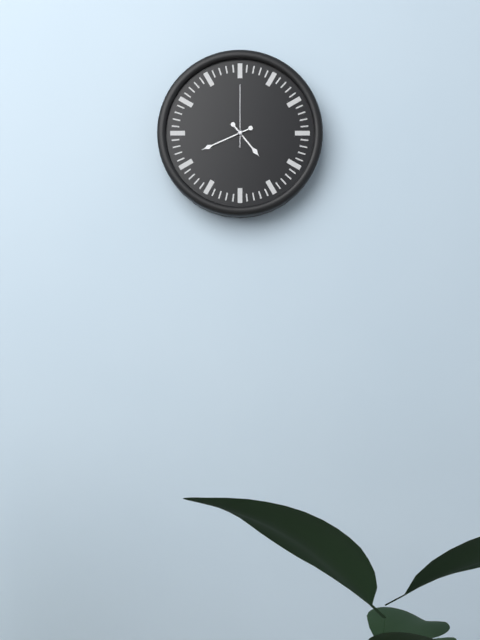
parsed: **4:41:00**
